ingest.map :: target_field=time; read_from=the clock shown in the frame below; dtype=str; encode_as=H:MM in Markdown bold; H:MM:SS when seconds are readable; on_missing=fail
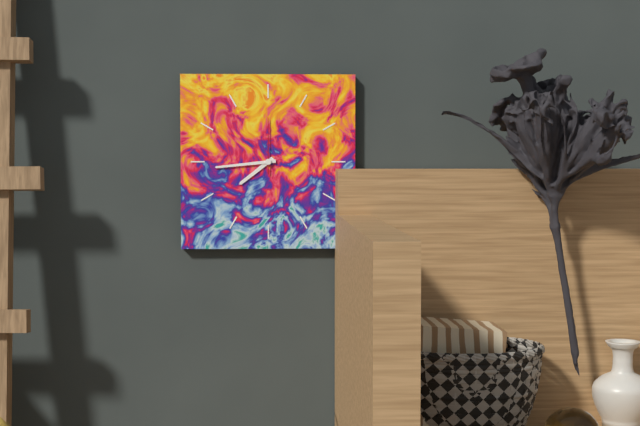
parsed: **7:44:00**
